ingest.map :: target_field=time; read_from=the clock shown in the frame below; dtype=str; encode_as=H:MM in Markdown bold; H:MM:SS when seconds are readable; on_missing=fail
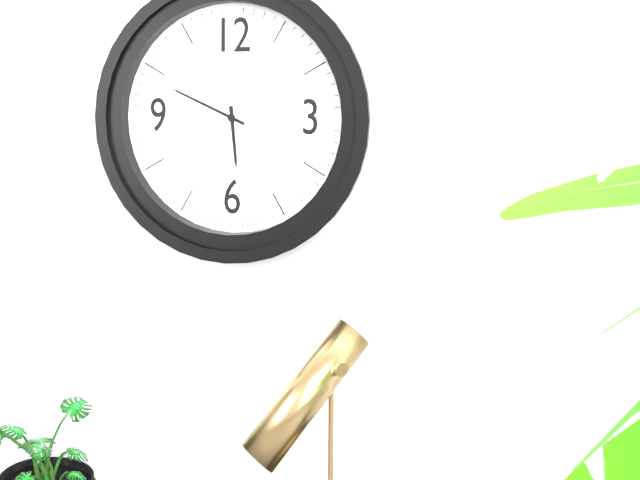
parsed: **5:49**
